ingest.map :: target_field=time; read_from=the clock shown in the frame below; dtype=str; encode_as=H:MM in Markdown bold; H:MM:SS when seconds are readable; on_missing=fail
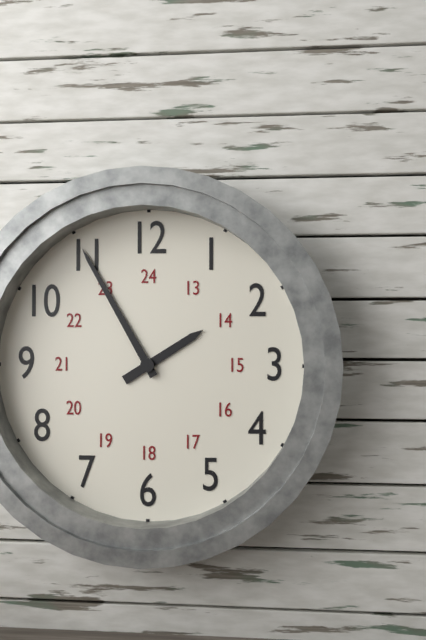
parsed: **1:55**
